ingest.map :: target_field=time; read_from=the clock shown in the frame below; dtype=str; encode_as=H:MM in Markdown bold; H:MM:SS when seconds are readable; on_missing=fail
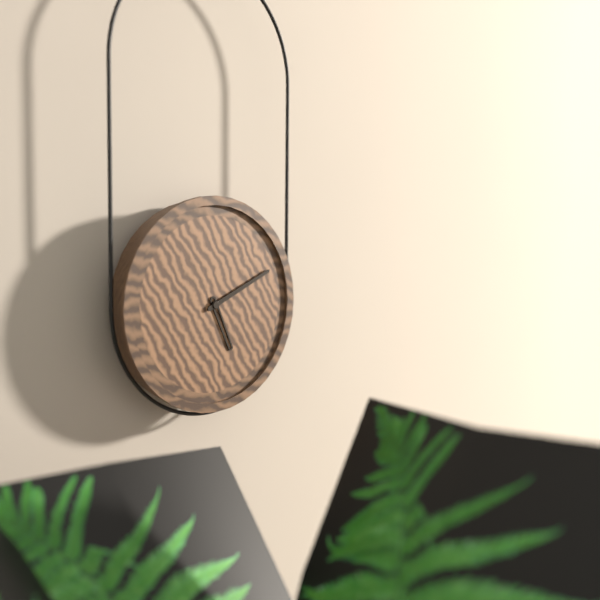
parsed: **5:11**
